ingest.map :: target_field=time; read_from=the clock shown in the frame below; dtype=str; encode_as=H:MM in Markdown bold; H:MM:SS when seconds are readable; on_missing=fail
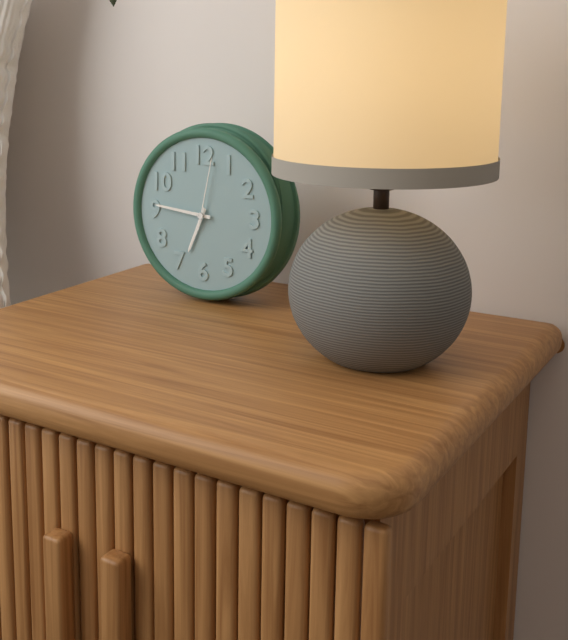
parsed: **6:46:02**
